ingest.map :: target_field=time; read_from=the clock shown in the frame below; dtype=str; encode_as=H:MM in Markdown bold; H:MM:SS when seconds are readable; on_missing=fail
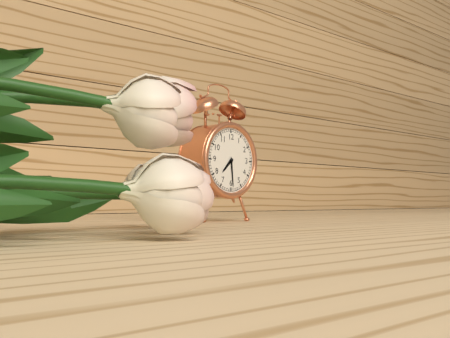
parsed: **7:29**
